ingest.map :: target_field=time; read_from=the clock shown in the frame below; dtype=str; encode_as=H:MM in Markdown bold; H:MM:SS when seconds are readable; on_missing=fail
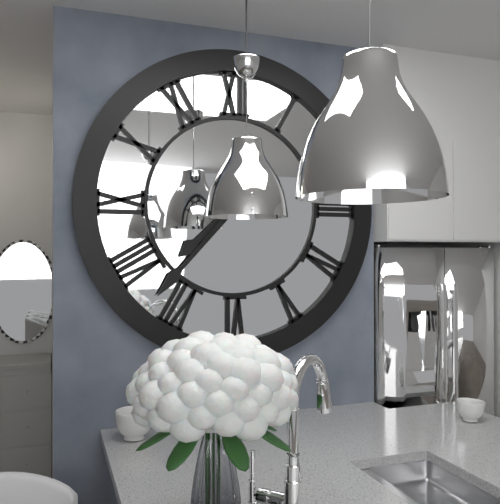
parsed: **7:37**
